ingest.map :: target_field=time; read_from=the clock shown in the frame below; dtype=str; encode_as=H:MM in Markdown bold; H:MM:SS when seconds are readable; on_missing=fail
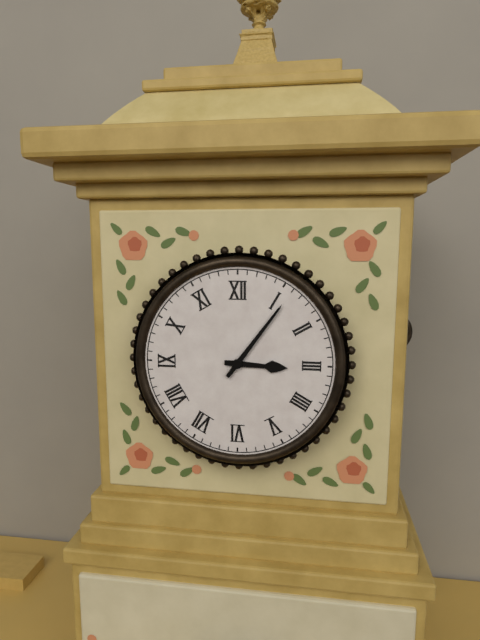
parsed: **3:06**
